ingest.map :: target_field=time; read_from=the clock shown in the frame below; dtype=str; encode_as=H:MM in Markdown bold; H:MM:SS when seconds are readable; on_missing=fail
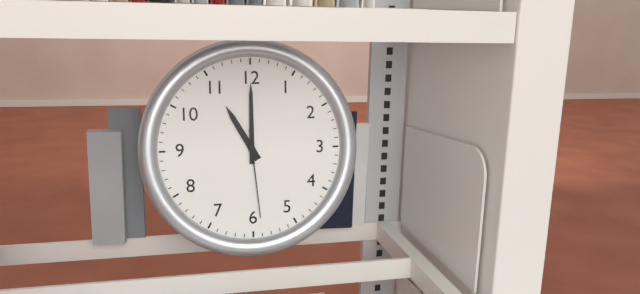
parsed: **11:00:29**
